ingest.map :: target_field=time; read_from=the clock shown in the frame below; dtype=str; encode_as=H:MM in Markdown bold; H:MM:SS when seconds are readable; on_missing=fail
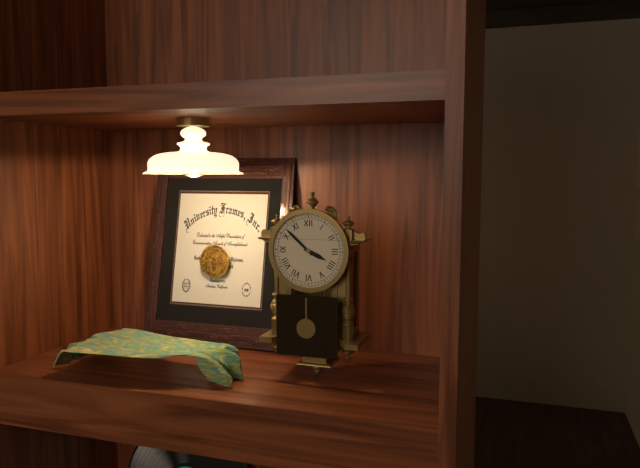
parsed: **3:52**
